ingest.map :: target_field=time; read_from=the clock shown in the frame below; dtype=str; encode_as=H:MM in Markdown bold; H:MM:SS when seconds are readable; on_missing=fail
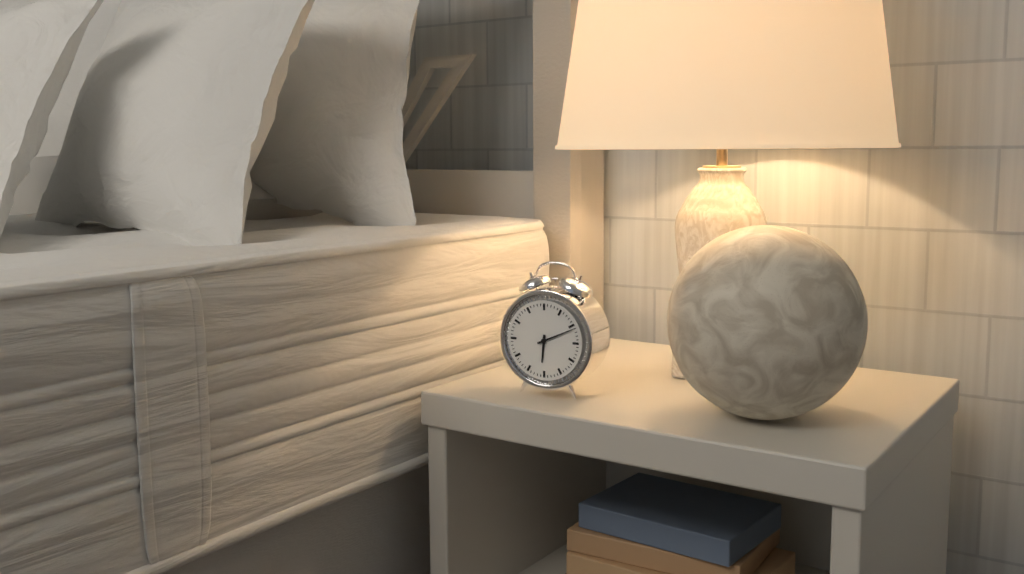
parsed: **6:11**
